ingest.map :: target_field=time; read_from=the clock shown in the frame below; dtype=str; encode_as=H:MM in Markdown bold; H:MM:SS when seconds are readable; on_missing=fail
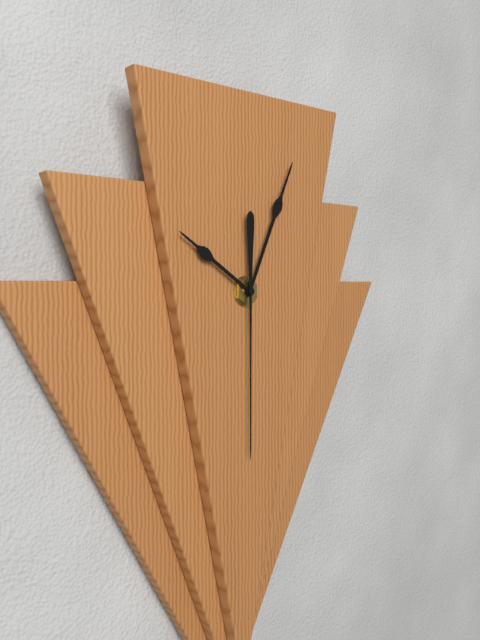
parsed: **10:04:30**
